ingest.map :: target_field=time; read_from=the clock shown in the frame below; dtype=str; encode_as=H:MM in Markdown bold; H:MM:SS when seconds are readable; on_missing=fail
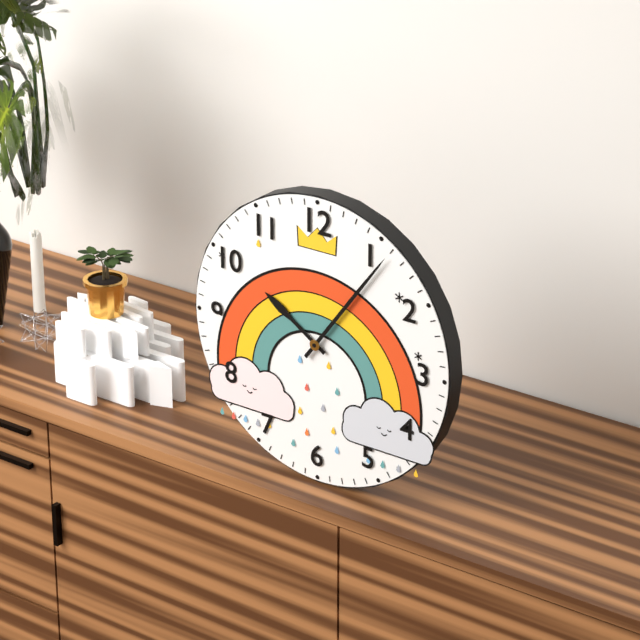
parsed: **10:06**
